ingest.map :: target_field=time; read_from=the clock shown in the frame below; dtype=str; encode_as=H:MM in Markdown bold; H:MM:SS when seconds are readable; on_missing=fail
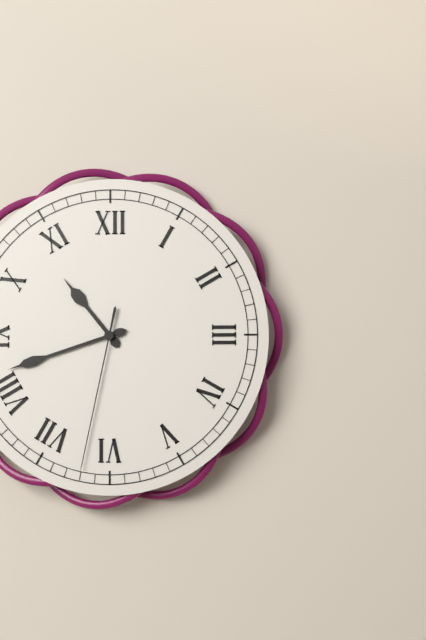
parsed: **10:42:32**
